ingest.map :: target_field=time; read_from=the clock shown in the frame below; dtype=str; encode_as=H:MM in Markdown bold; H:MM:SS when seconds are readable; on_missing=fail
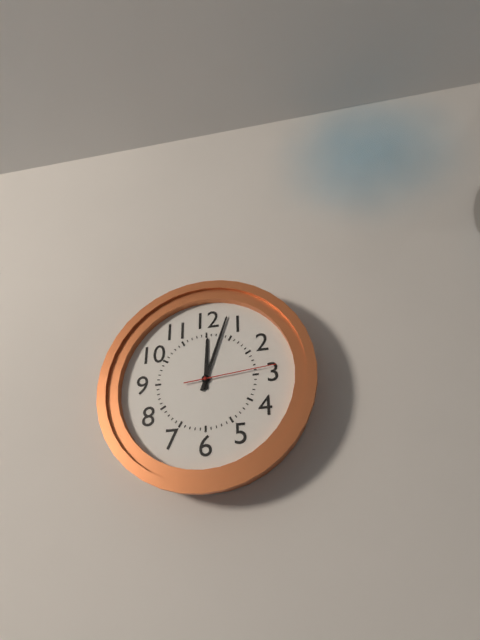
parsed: **12:03:14**
